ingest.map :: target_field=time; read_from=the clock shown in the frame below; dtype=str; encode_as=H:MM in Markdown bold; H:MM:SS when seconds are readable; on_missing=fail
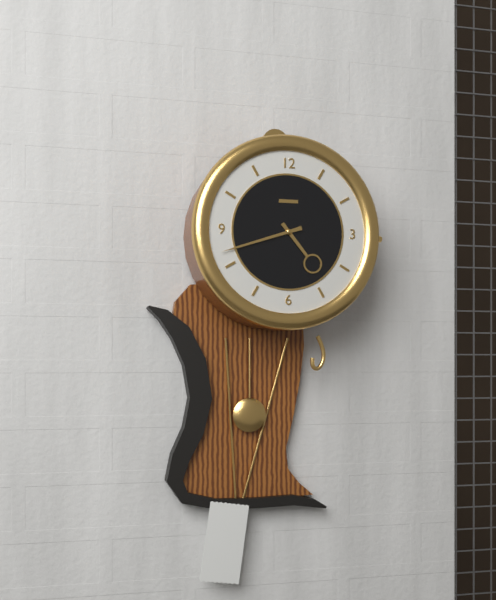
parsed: **4:42**
